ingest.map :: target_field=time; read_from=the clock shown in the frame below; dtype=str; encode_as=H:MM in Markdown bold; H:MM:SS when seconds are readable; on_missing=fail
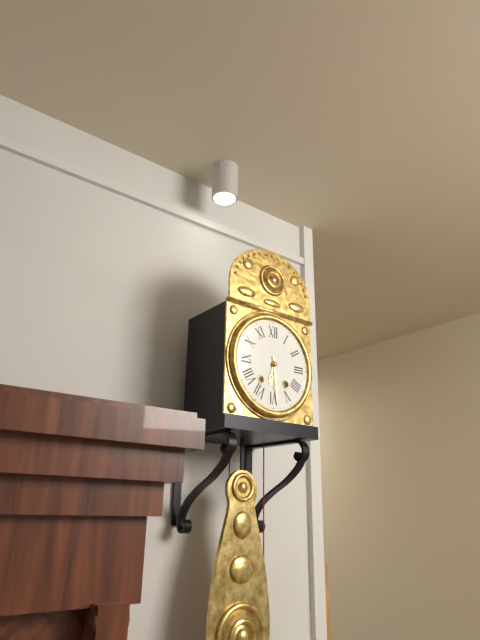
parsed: **6:29**
